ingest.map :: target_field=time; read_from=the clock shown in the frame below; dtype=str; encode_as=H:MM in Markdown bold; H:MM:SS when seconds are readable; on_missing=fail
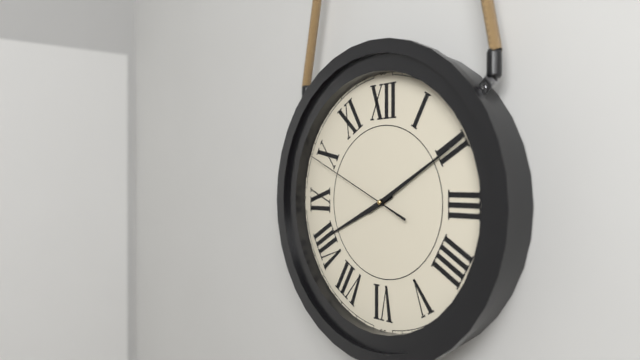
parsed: **8:10:49**
